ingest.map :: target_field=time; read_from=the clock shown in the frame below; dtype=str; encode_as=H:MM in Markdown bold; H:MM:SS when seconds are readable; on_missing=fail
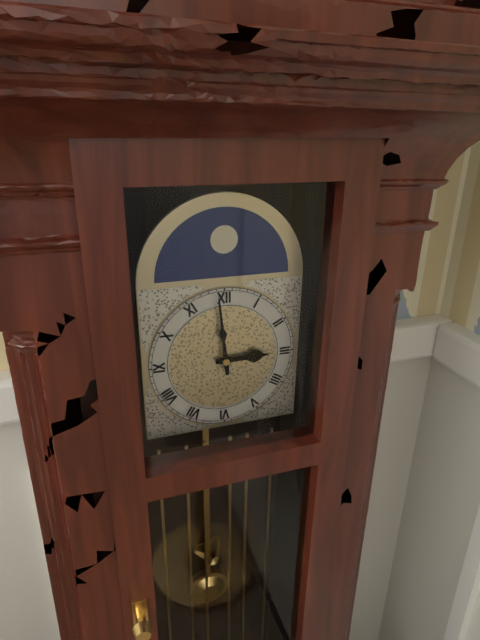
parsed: **2:59**
